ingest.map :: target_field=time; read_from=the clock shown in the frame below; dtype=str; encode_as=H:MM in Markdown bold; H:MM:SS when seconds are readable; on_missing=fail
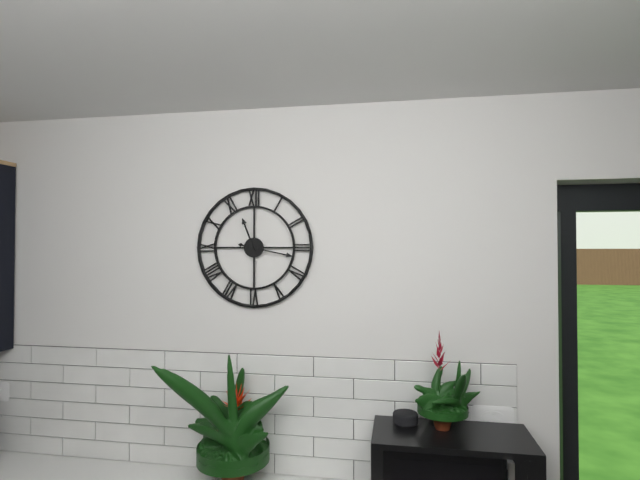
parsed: **11:17**
